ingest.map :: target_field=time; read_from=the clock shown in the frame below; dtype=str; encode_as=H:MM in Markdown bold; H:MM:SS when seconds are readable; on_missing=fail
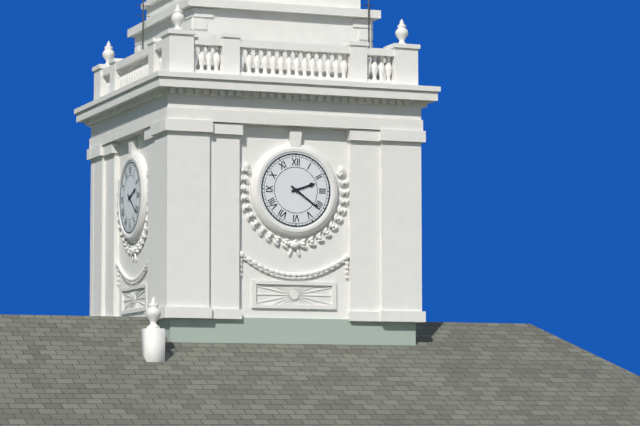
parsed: **2:21**
